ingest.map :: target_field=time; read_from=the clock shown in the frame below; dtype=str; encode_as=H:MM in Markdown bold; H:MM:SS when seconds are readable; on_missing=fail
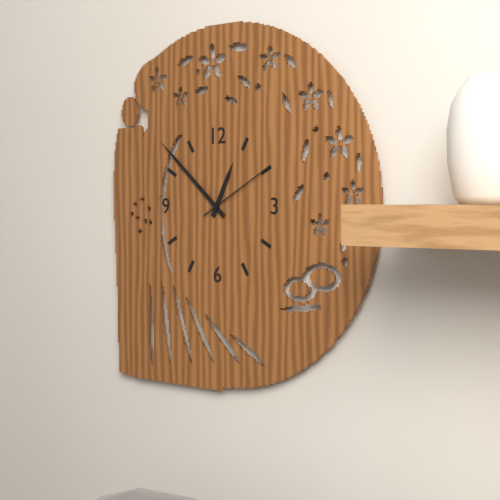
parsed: **12:52:10**
